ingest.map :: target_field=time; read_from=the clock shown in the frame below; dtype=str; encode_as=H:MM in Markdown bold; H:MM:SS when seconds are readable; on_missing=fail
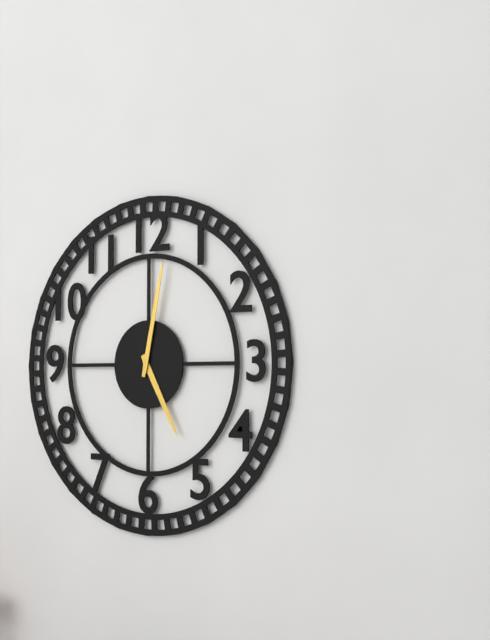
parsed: **5:02**
